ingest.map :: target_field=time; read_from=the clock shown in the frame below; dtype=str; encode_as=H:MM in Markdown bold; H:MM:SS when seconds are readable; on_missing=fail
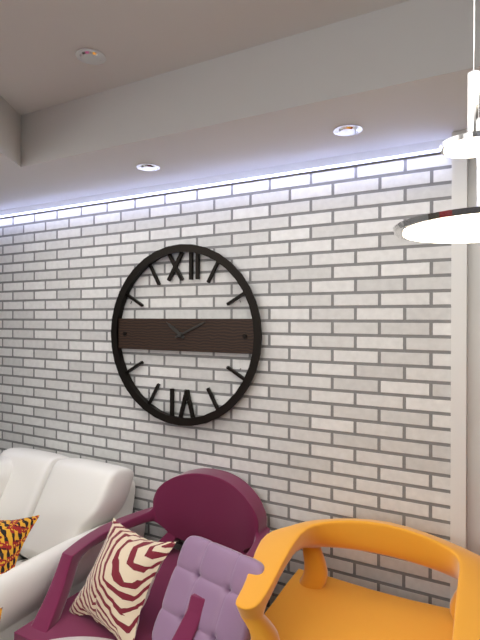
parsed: **10:11**
